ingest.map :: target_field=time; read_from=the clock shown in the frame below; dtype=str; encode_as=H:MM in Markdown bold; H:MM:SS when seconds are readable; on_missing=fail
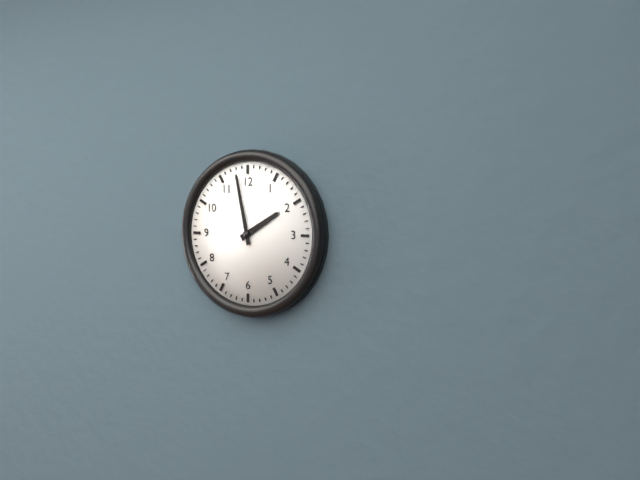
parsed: **1:58**
